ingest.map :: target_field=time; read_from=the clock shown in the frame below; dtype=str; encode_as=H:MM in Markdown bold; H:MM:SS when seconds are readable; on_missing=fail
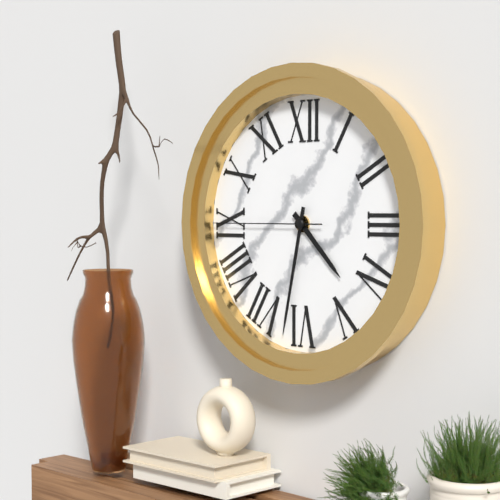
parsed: **4:32:45**
